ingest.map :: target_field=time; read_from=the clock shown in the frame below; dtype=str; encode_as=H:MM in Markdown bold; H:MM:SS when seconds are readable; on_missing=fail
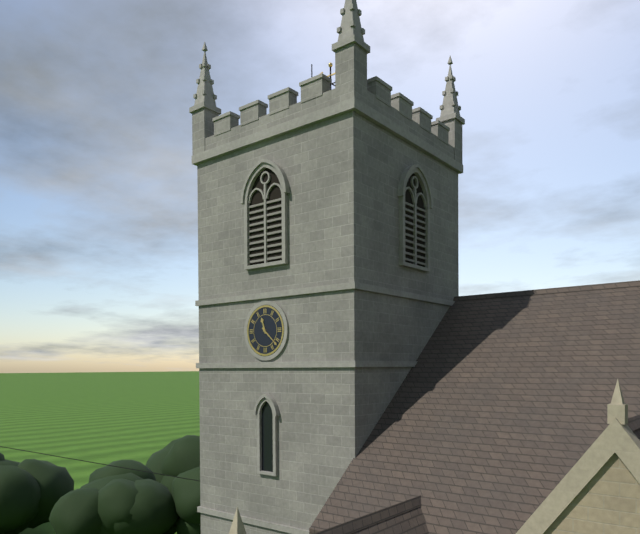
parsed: **11:22**
